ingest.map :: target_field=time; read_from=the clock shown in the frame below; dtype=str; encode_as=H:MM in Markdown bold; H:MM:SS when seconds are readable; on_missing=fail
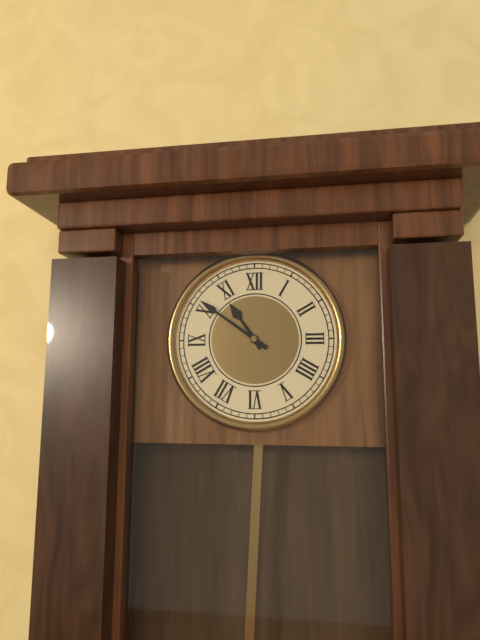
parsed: **10:51**
